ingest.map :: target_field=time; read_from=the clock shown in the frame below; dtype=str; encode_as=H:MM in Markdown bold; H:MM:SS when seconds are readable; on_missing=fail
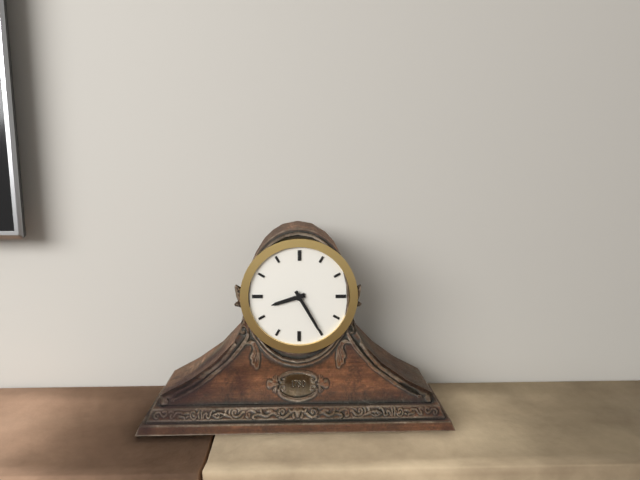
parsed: **8:25**
